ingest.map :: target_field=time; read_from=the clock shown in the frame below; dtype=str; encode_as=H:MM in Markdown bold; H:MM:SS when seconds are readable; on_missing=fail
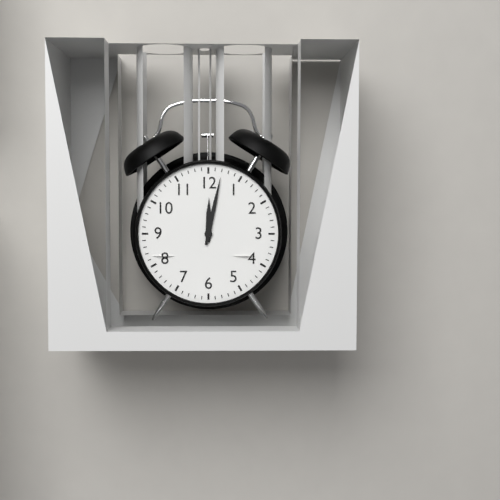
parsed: **12:02**
